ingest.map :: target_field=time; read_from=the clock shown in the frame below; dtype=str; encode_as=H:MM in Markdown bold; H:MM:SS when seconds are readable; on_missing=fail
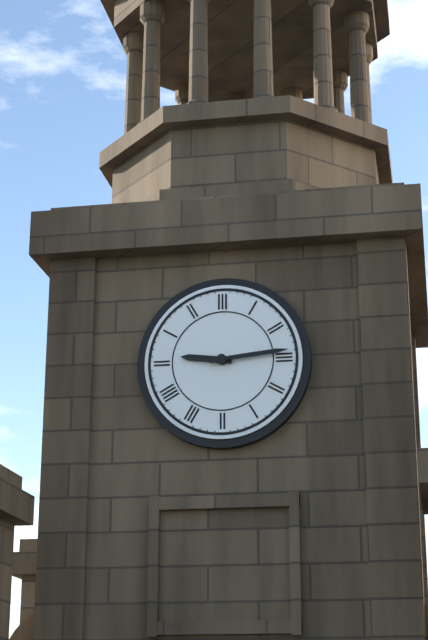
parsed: **9:14**
